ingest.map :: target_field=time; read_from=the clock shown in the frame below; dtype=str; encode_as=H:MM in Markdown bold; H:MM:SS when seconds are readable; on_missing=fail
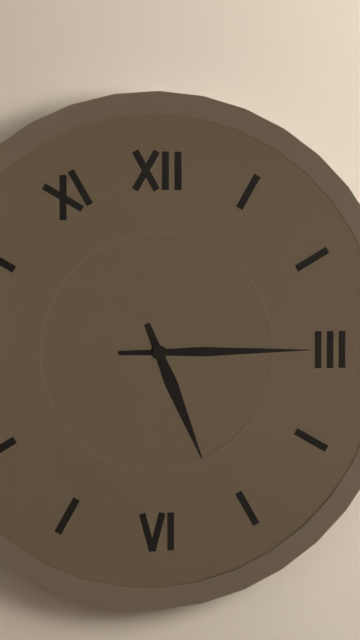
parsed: **5:15**
